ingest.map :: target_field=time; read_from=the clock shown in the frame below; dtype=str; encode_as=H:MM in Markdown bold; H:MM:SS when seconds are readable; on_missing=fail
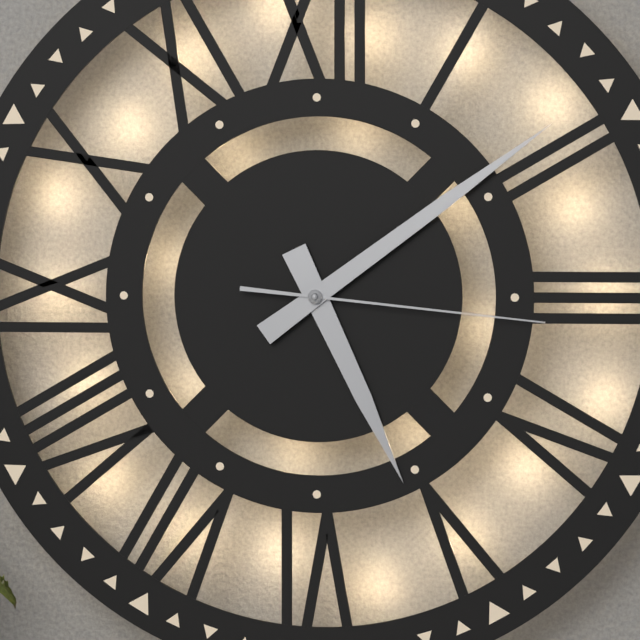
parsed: **5:09:16**
